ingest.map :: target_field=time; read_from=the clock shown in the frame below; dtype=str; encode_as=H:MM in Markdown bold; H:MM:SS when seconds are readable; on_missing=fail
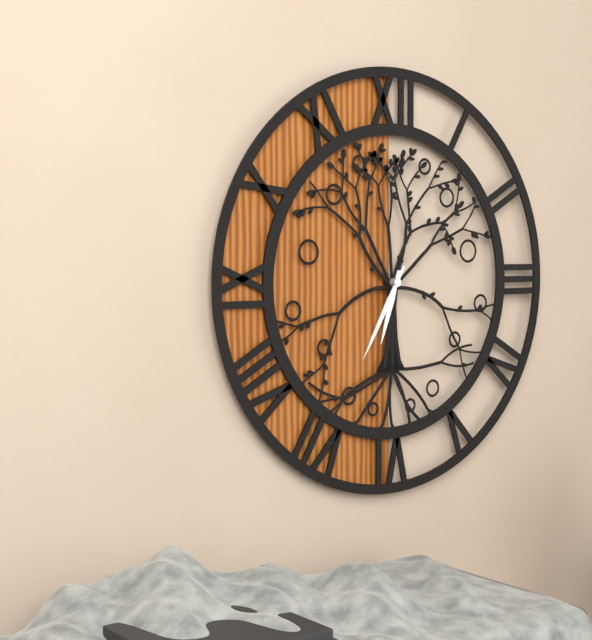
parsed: **6:35**
